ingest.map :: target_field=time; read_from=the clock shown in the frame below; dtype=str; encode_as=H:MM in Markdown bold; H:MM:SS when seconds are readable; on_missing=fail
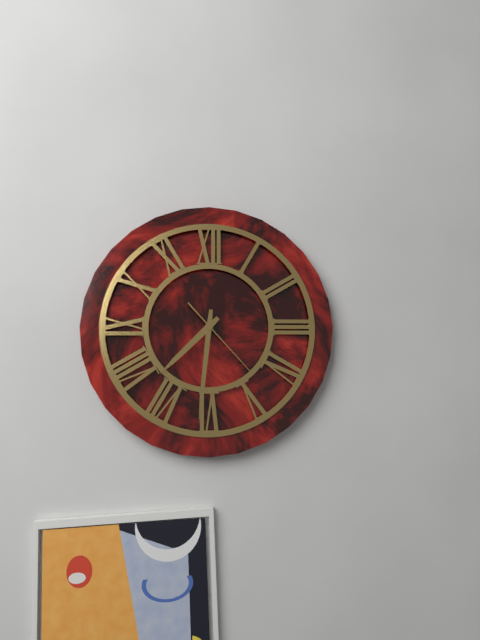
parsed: **7:31:23**
